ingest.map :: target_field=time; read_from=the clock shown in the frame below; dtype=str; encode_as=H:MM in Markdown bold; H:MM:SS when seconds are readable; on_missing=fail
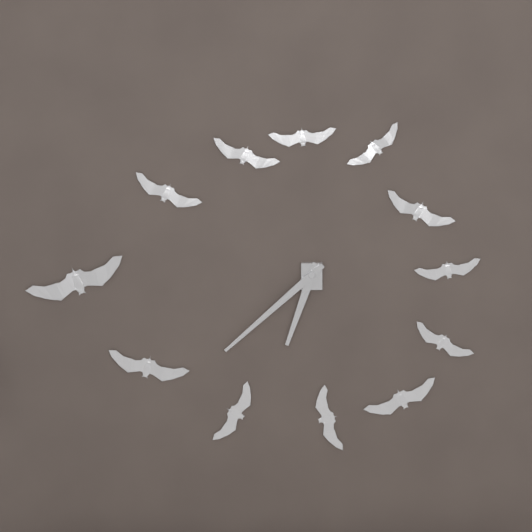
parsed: **6:38**
